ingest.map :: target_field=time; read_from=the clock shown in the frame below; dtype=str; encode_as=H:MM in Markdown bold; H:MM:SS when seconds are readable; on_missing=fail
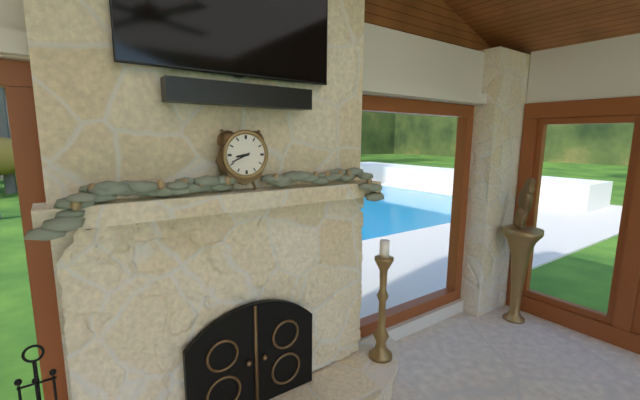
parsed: **8:41**
